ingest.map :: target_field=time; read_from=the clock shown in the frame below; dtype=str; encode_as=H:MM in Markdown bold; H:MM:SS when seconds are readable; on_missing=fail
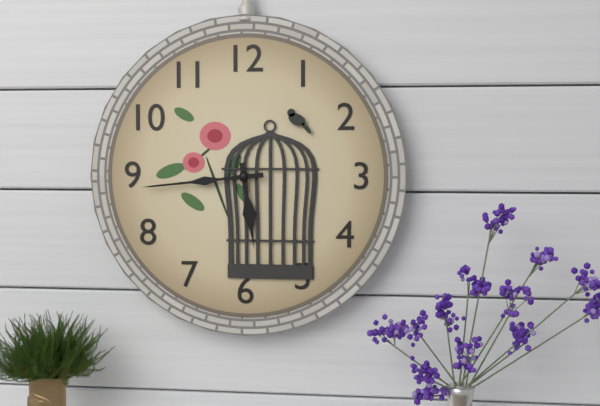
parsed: **5:44**
